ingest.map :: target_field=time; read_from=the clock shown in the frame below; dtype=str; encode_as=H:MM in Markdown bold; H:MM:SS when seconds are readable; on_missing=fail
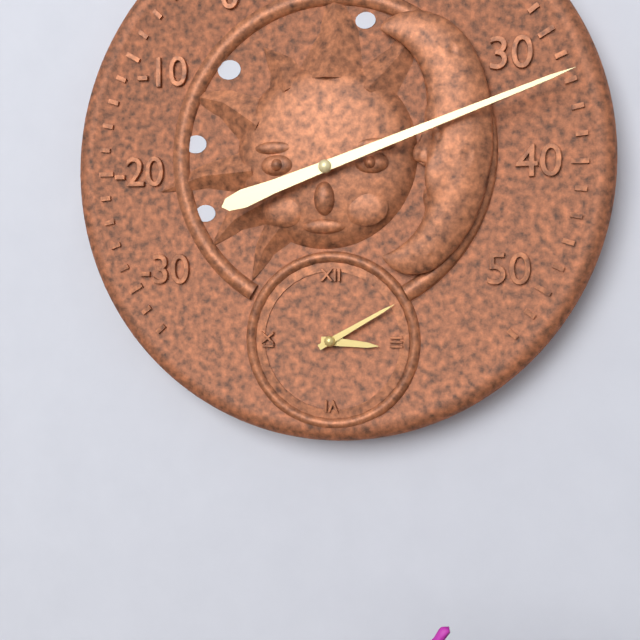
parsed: **3:10**
